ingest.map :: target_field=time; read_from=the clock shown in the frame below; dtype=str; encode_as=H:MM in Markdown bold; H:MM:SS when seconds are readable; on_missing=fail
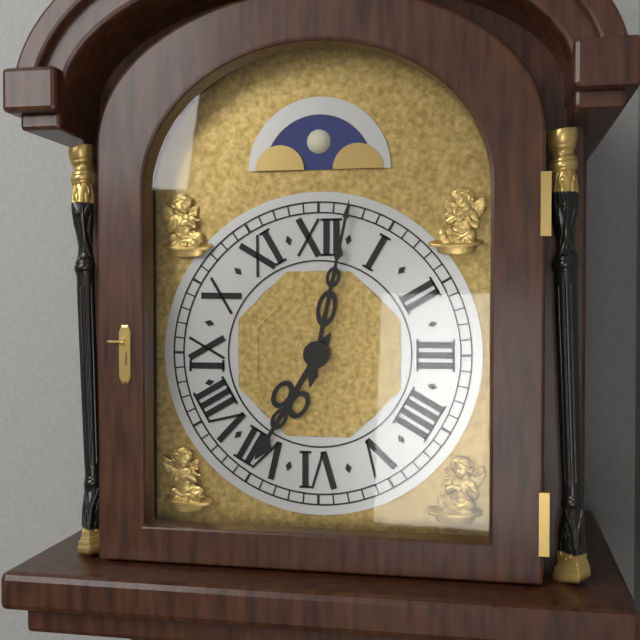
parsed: **7:02**
